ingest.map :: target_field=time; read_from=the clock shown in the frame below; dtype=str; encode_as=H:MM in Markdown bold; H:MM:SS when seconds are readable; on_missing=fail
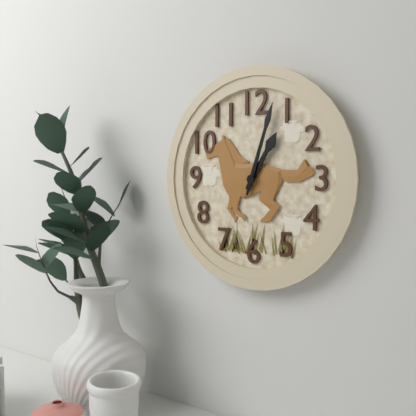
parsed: **1:03**
